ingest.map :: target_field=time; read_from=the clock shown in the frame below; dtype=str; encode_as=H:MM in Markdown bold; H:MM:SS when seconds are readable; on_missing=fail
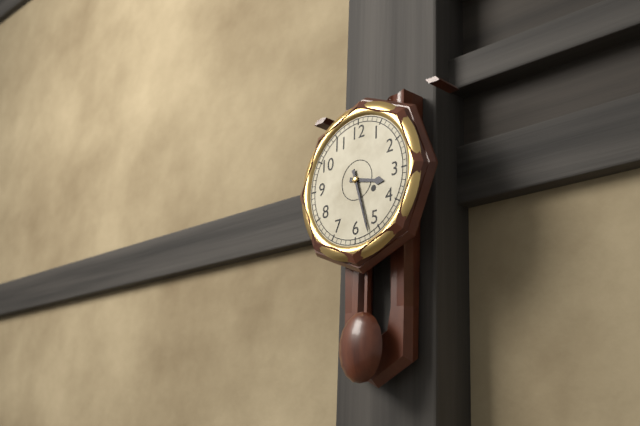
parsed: **3:27**
